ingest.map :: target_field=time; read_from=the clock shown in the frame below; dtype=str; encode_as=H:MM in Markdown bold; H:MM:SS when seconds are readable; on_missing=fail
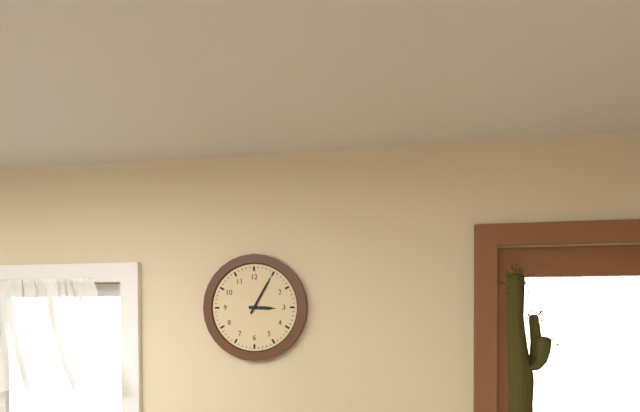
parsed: **3:05**
